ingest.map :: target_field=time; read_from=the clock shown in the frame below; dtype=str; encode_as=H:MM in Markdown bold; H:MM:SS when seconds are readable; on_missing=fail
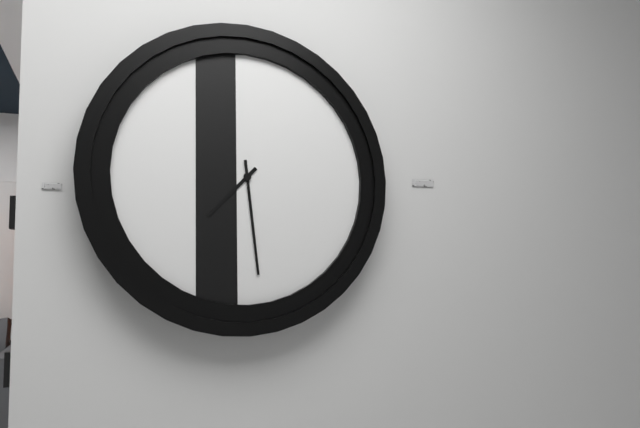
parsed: **7:29**
